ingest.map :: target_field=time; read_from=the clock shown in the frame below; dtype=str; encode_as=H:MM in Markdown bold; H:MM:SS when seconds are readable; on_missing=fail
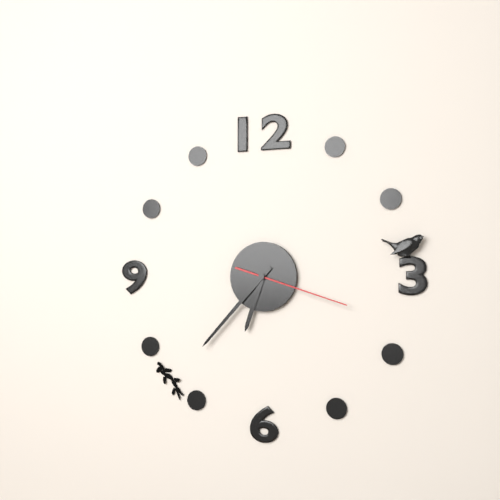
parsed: **6:37:18**
